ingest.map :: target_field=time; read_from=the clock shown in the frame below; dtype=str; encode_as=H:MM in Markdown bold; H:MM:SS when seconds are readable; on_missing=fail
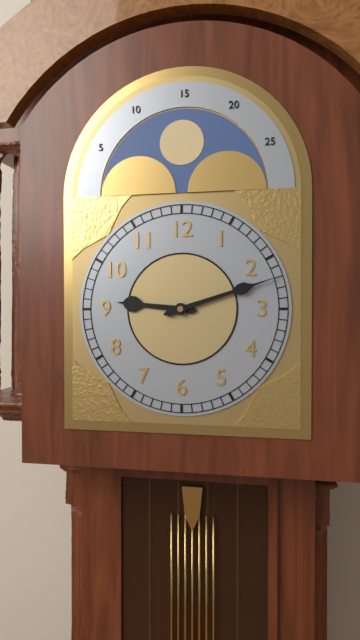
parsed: **9:12**
